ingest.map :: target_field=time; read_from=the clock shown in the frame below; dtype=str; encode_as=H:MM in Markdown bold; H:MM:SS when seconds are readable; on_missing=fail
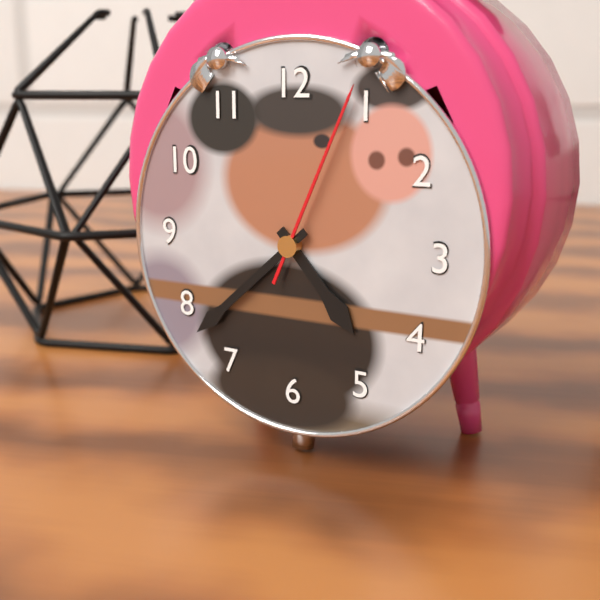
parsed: **4:38:04**
